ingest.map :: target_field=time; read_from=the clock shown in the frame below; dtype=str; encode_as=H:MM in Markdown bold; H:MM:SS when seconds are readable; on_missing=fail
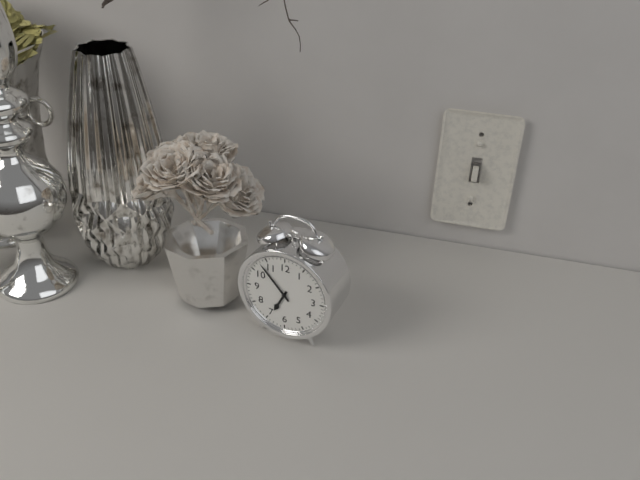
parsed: **6:53**
